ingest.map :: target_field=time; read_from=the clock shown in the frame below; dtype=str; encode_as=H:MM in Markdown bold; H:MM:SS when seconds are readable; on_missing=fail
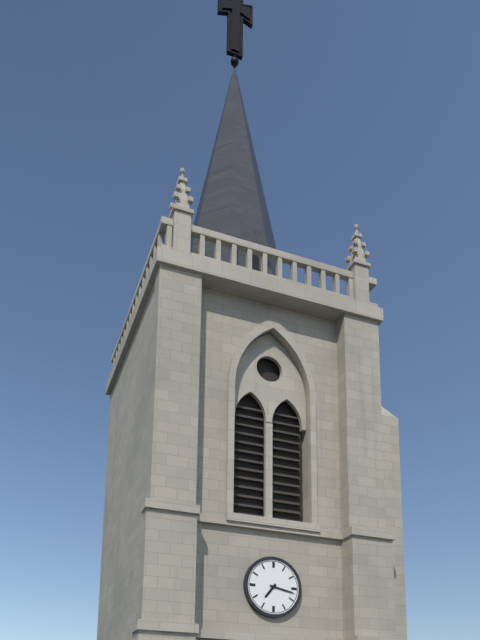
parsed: **7:17**
